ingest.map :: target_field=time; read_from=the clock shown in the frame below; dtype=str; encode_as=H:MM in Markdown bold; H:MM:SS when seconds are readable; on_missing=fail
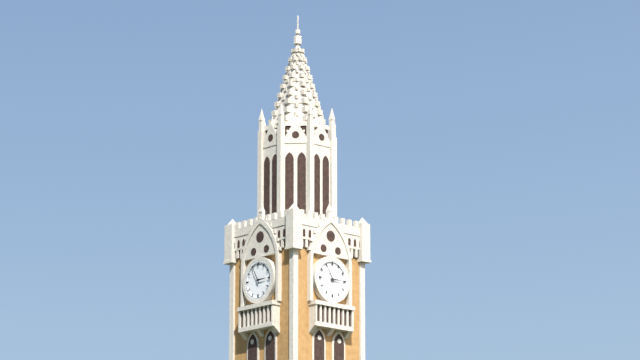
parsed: **2:55**
